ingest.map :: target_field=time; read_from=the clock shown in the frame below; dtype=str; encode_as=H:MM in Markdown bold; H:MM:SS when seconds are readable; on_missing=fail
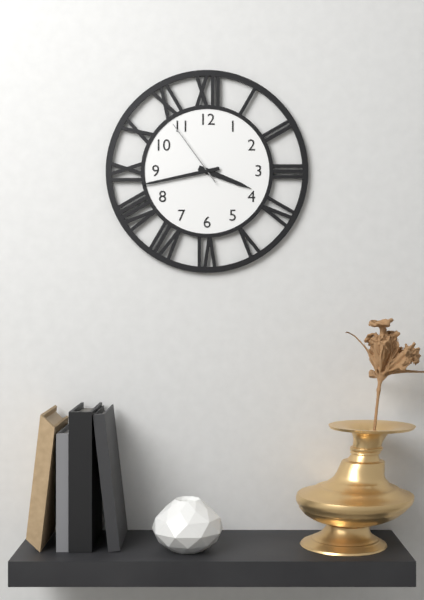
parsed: **3:43:54**
